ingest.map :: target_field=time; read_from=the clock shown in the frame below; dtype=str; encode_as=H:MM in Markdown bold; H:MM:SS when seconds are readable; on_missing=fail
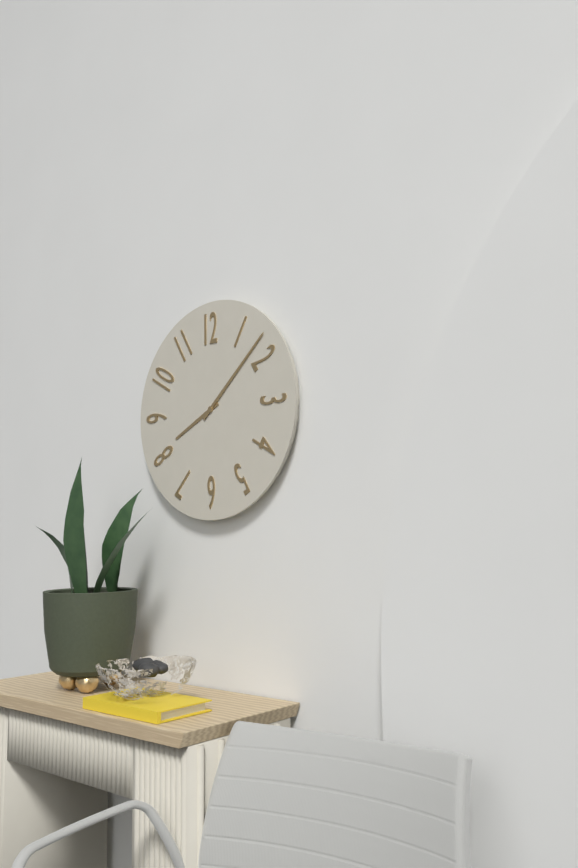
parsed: **8:08**
